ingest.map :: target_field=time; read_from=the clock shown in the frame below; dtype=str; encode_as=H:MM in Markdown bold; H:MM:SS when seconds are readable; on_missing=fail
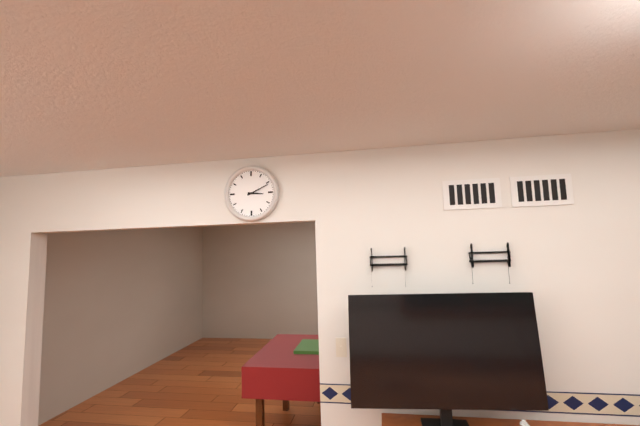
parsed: **3:11**
